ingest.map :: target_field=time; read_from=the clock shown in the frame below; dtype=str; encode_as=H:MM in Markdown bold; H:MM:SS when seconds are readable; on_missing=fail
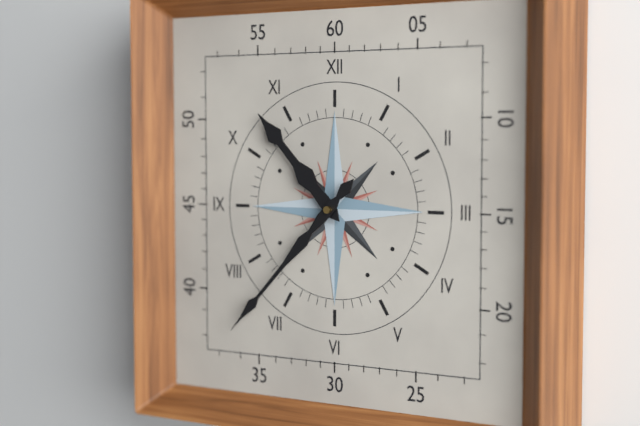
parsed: **10:37**
